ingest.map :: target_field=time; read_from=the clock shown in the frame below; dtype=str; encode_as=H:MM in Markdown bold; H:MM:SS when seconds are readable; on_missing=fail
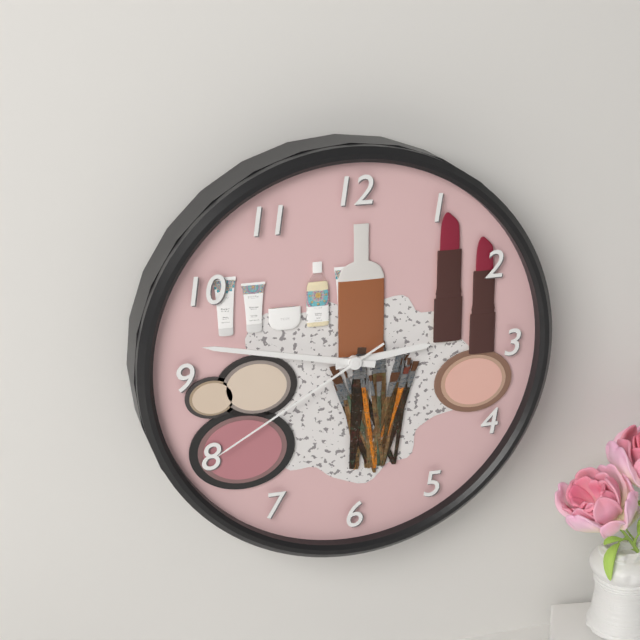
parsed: **2:47:40**
